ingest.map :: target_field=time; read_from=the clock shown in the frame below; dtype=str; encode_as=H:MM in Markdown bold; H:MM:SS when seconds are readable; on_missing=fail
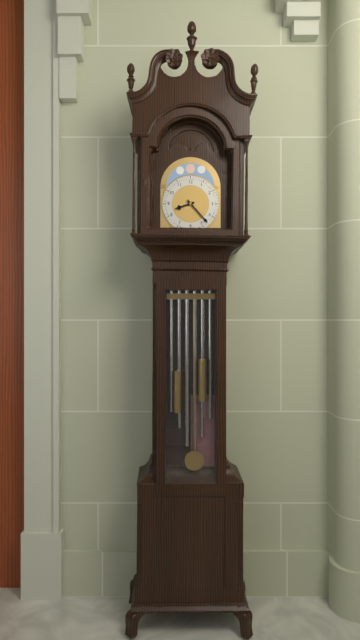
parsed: **8:23**
